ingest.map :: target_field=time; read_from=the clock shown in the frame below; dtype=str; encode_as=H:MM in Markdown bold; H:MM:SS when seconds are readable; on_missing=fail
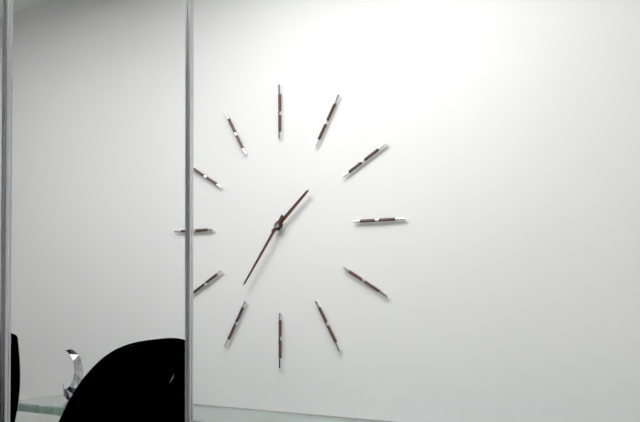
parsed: **1:36**
